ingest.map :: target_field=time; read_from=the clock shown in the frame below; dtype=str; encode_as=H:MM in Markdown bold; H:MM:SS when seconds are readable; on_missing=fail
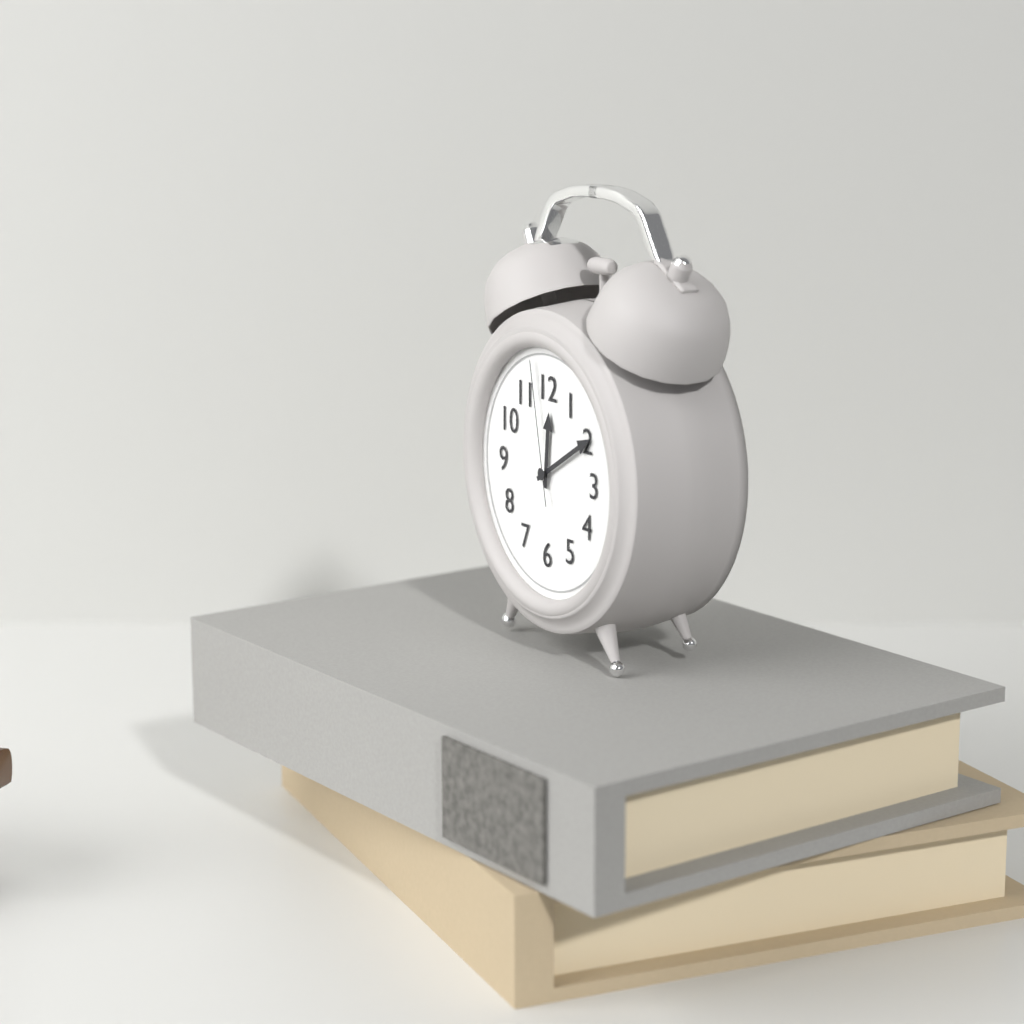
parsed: **12:10:58**
